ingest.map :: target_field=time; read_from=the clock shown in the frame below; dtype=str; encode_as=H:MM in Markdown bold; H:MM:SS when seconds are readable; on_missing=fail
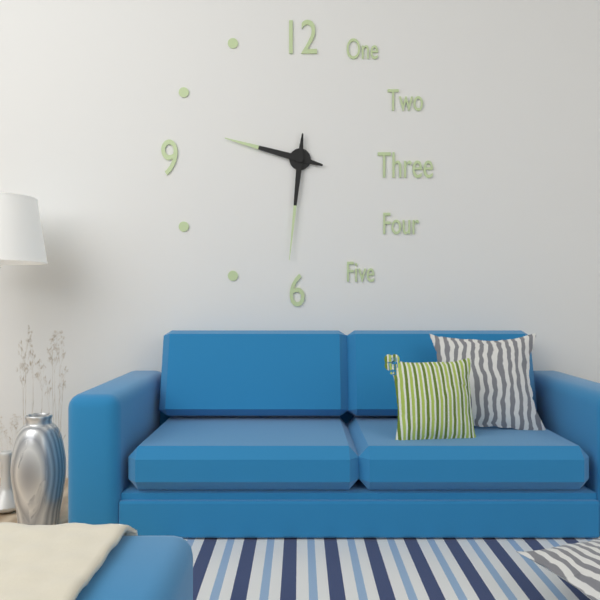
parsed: **9:31**
